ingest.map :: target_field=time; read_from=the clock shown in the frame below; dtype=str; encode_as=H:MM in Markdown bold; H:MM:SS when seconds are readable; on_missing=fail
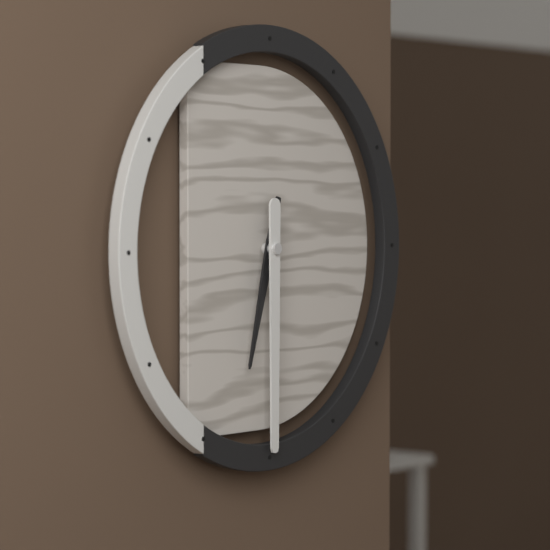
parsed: **6:30**
